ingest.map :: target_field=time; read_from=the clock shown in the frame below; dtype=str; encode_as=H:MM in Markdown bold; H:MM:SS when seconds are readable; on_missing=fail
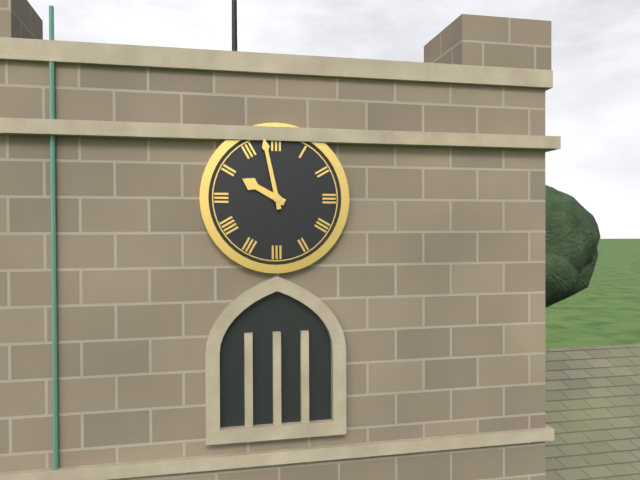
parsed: **9:58**
